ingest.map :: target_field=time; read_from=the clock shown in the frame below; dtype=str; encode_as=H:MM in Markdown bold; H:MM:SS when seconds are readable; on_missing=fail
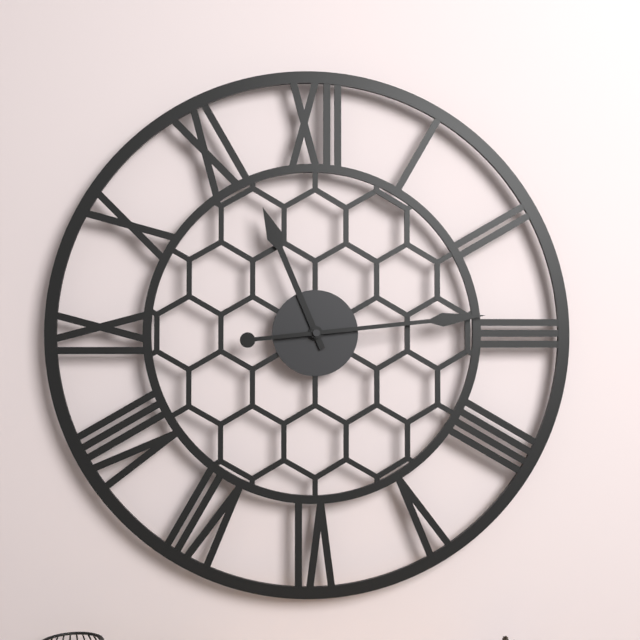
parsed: **11:14**
